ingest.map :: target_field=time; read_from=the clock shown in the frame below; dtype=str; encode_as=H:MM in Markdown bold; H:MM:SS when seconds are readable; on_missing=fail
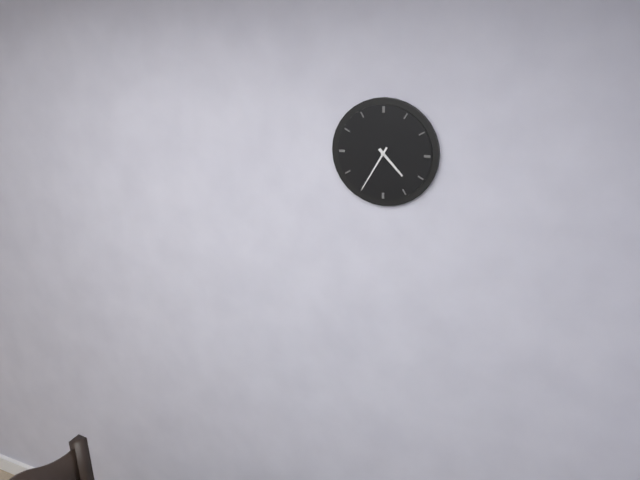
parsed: **4:35**
